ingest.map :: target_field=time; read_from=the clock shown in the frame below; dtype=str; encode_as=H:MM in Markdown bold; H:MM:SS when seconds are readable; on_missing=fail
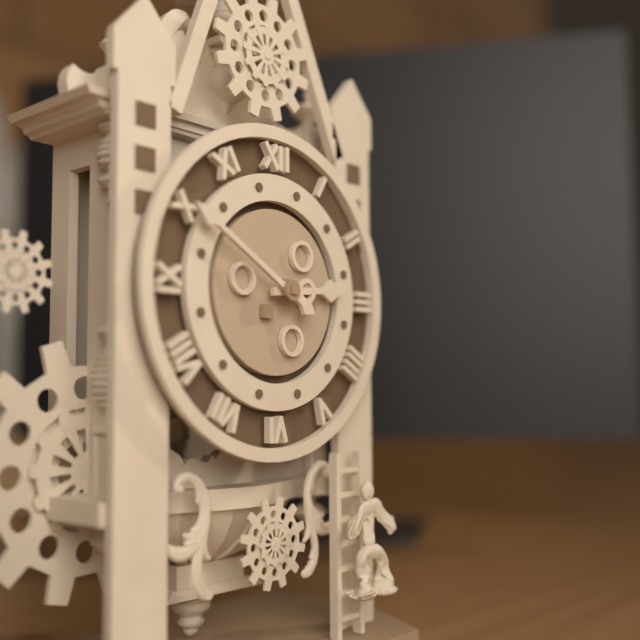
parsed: **2:50**
